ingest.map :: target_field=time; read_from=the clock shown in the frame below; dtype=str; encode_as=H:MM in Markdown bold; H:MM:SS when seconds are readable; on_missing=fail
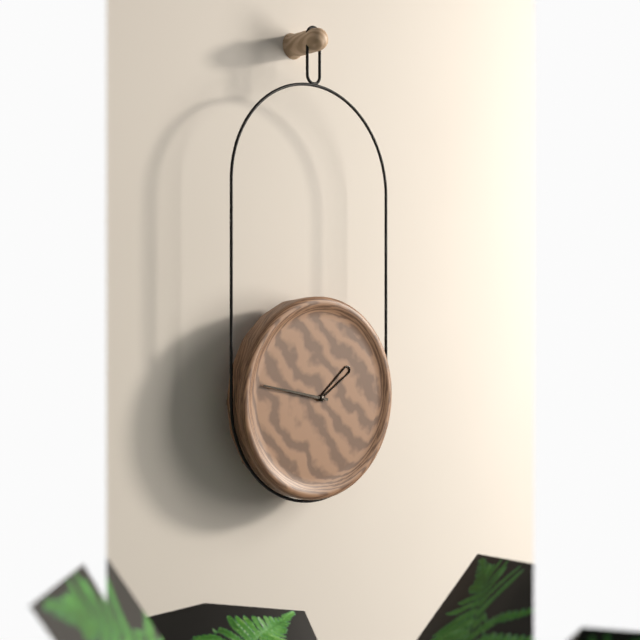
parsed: **1:47**
